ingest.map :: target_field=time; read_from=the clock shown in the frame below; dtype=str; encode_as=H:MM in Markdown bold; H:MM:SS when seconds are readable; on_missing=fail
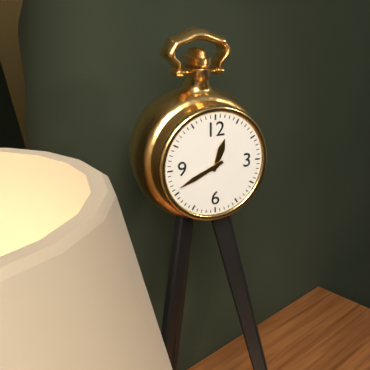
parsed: **12:41**
